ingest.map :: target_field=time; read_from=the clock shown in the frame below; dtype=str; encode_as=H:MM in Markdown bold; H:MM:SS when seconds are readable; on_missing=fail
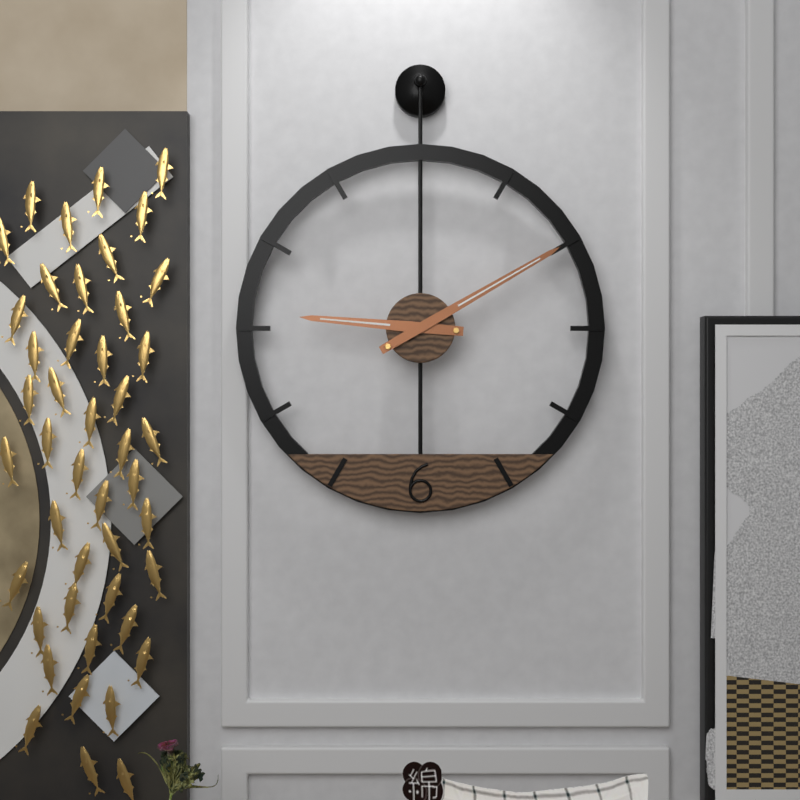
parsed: **9:10**
